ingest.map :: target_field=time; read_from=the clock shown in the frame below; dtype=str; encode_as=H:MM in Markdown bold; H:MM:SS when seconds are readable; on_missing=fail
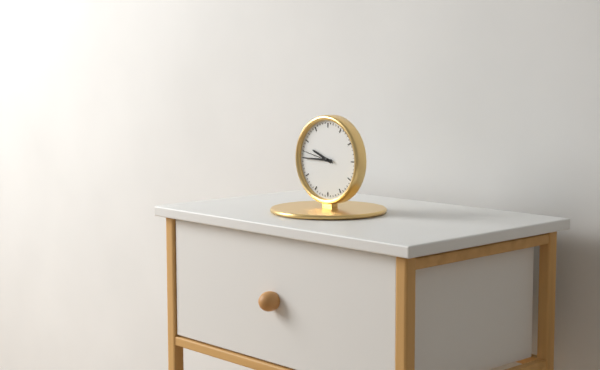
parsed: **9:45**
